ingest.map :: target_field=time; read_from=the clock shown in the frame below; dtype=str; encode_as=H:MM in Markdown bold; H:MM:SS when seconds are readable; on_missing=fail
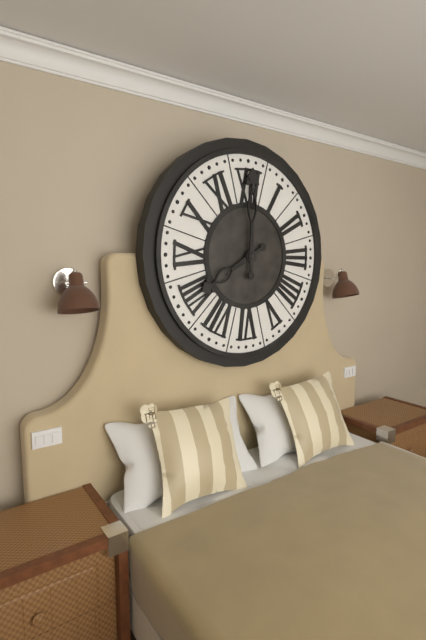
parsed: **8:00**
